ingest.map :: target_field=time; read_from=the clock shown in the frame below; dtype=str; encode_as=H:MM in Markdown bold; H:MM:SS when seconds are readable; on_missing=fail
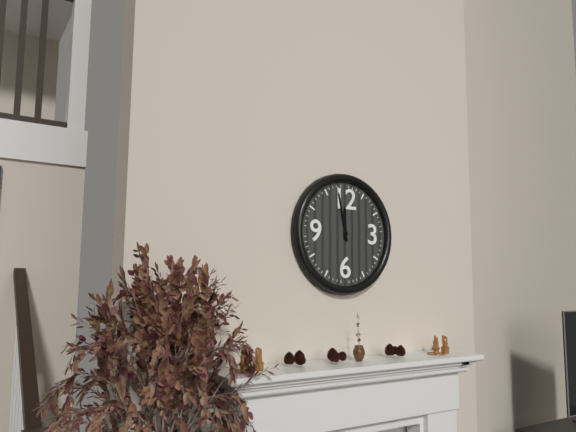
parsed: **11:58**
